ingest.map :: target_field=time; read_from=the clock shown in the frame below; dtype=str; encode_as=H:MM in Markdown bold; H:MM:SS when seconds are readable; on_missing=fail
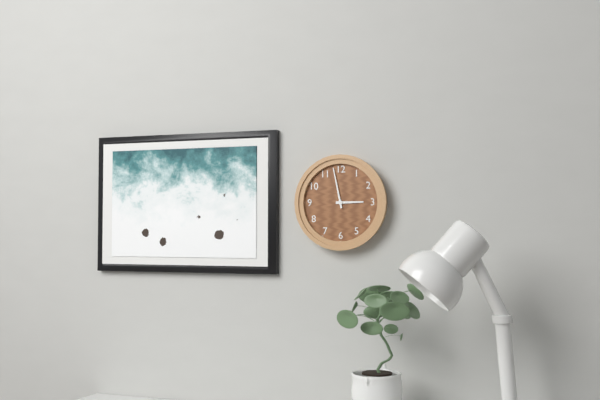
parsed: **2:58**
